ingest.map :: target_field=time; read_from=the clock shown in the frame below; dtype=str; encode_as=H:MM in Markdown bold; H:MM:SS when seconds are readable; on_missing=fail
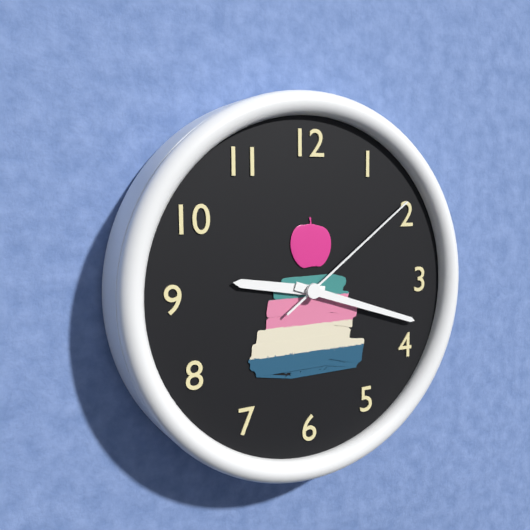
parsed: **9:18:09**
